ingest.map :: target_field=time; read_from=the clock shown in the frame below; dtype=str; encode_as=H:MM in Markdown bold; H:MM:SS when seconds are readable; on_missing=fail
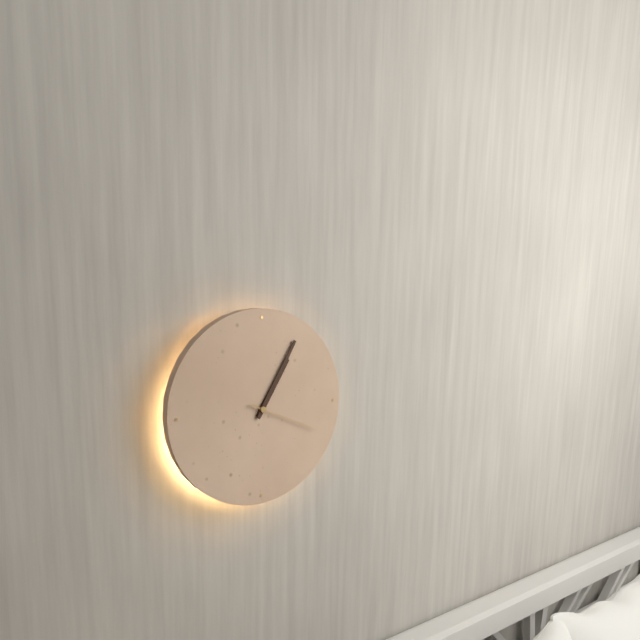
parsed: **1:05:19**
